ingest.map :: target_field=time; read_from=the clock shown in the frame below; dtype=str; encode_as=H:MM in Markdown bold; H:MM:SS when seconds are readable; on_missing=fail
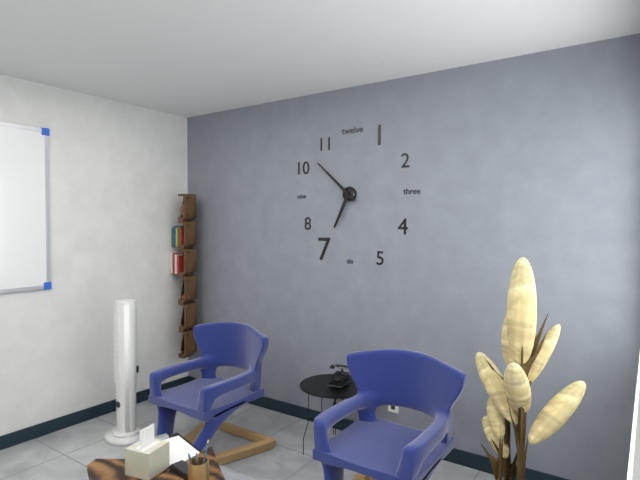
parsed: **6:52**
